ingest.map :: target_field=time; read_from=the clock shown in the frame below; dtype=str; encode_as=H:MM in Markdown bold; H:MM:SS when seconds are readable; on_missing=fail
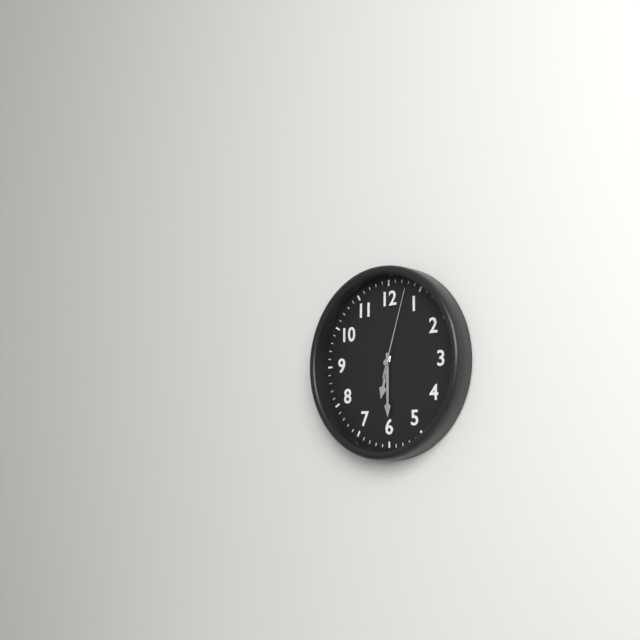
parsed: **6:30:03**
